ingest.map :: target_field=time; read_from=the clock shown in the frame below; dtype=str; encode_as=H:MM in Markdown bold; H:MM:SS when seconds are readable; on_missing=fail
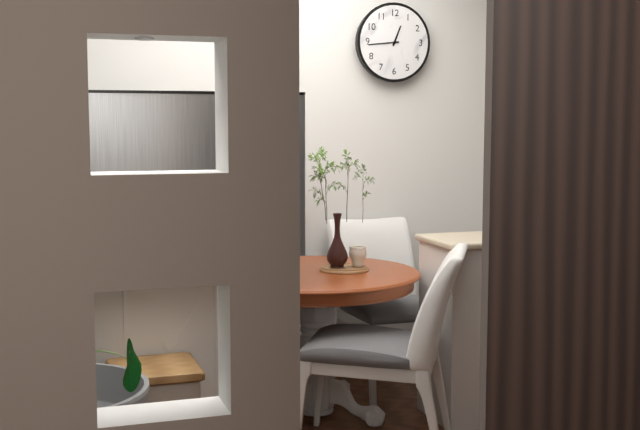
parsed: **12:44**
